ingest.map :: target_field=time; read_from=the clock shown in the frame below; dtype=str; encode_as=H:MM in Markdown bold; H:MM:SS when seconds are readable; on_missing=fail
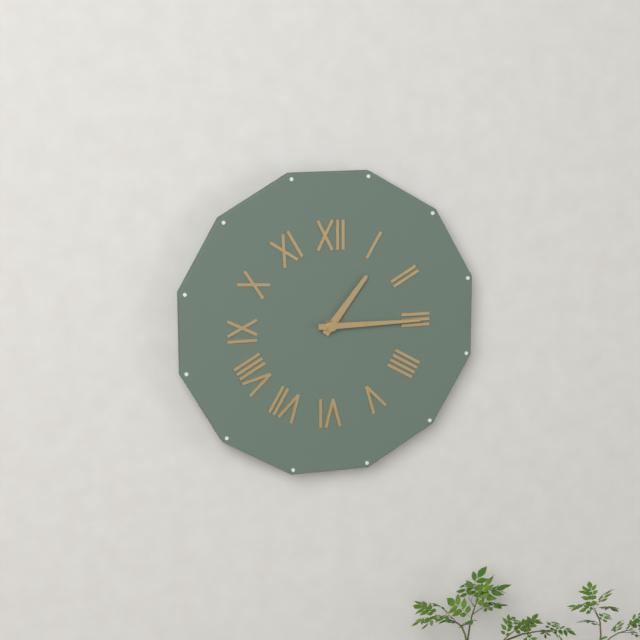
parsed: **1:15**
